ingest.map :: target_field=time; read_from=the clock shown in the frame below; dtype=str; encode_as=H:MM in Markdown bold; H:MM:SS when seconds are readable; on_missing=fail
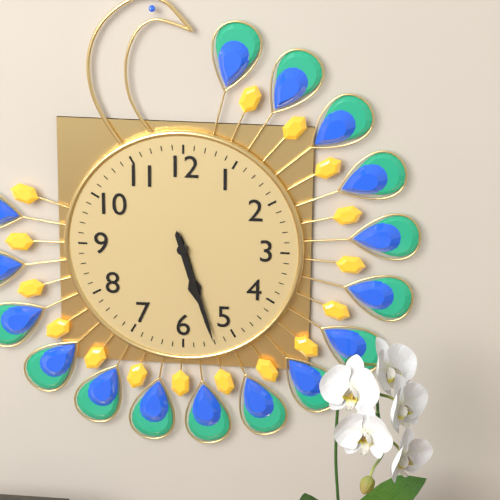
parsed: **5:27**
